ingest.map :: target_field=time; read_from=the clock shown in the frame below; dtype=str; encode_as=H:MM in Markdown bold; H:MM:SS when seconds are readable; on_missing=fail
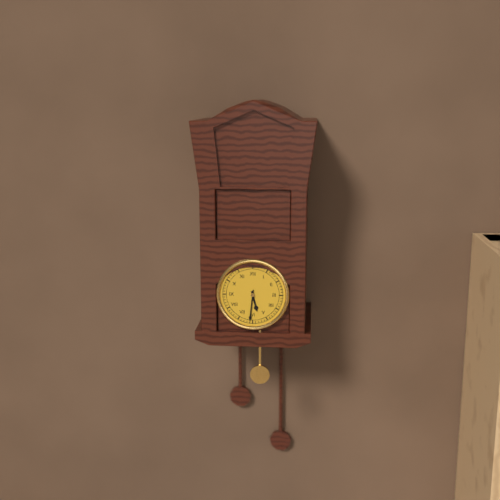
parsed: **5:31**
